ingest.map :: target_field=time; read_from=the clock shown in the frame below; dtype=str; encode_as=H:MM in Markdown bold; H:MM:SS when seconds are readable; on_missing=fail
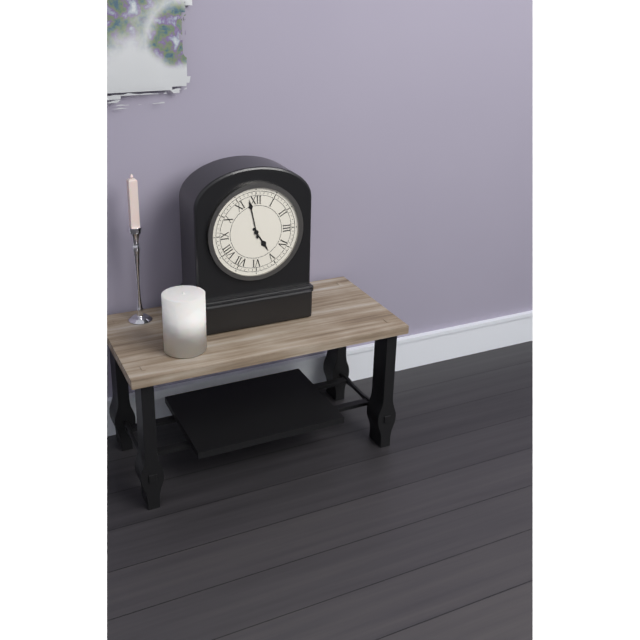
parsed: **4:58**
